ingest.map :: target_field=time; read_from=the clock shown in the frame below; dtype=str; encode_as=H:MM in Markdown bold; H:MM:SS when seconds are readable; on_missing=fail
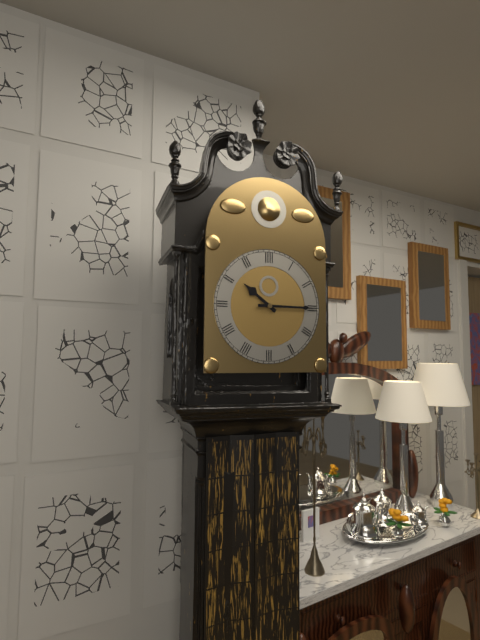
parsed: **10:15**
